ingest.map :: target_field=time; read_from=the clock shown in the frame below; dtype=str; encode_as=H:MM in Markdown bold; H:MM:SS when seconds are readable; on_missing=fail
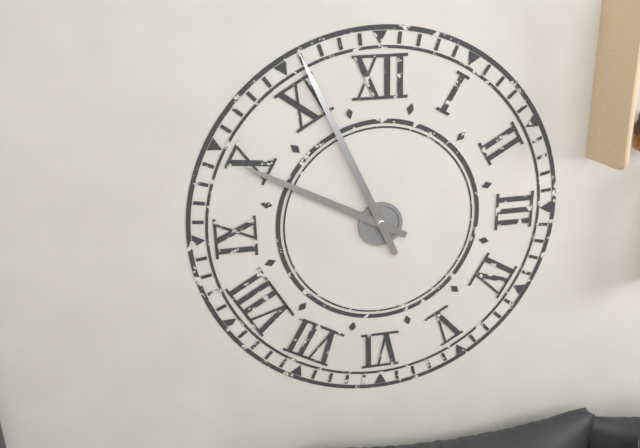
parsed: **9:56**
